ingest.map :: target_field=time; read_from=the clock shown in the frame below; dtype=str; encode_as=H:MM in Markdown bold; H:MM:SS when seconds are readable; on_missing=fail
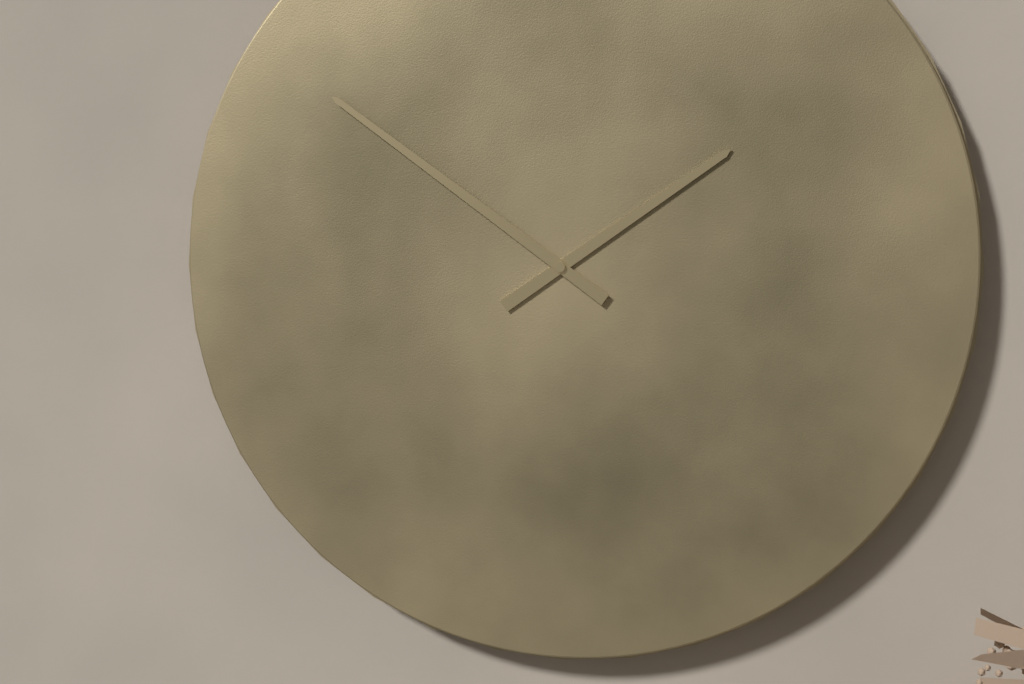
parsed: **1:51**
